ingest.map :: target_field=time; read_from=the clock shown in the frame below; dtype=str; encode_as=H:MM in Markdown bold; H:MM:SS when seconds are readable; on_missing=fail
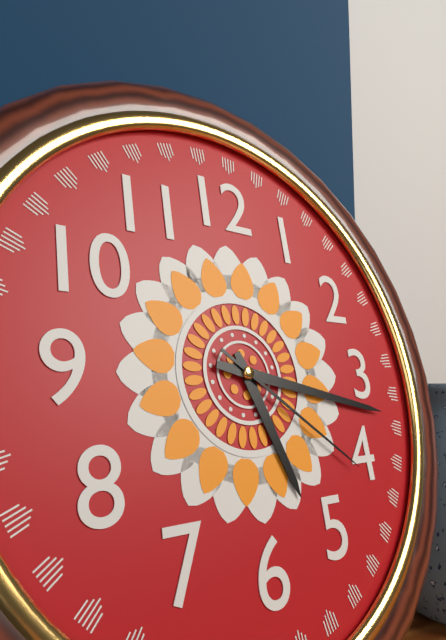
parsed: **5:17:21**
